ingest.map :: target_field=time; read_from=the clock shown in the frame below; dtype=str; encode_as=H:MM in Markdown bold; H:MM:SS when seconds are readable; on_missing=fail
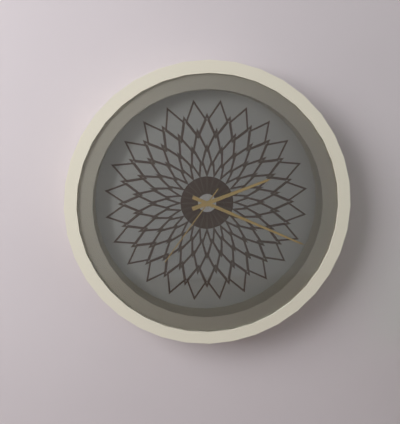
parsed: **2:19:36**
